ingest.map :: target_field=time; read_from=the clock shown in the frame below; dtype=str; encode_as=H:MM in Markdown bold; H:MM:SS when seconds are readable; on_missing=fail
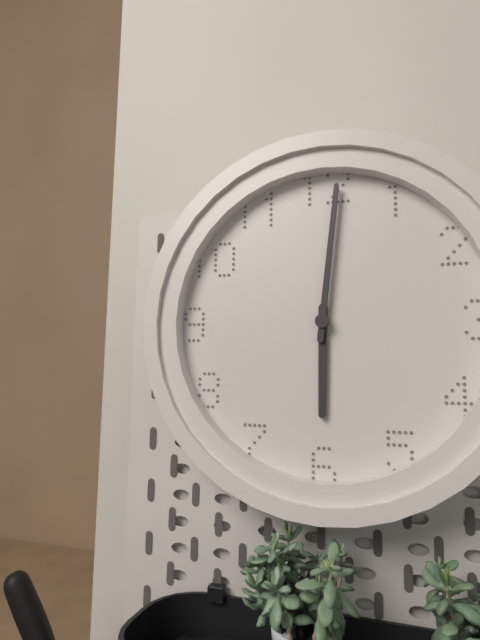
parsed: **6:01**
